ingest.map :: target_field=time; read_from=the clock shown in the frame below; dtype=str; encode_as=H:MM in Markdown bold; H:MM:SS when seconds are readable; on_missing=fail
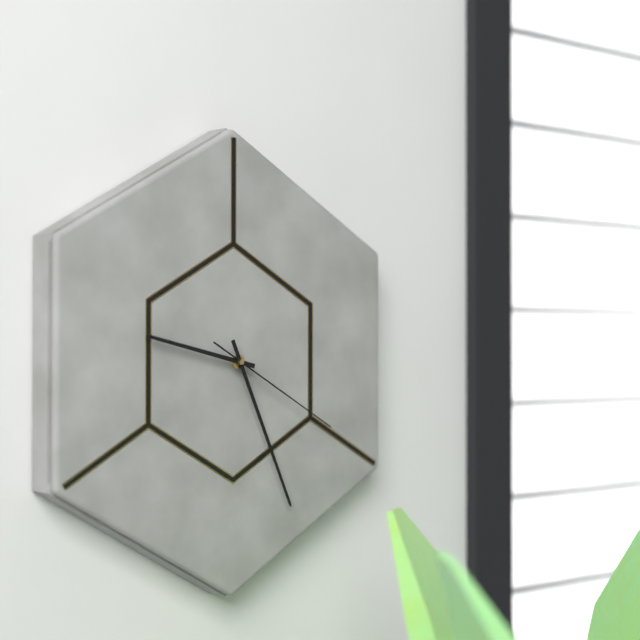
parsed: **9:26:20**
